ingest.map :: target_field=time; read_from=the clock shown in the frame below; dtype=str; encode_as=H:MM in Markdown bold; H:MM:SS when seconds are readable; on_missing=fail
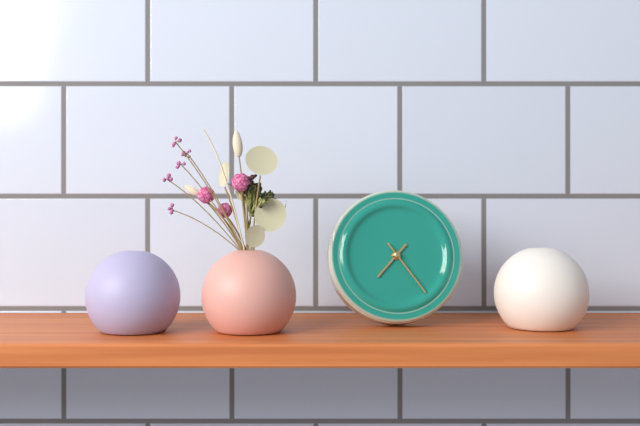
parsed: **7:24**
